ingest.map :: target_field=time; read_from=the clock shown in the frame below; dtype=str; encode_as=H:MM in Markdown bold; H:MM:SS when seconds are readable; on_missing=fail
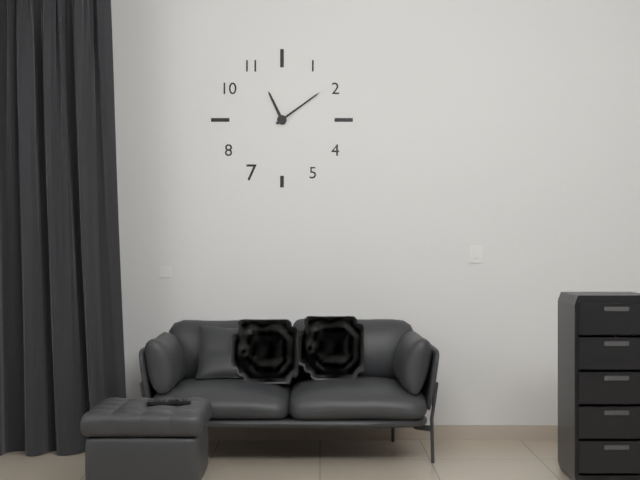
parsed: **11:09**
